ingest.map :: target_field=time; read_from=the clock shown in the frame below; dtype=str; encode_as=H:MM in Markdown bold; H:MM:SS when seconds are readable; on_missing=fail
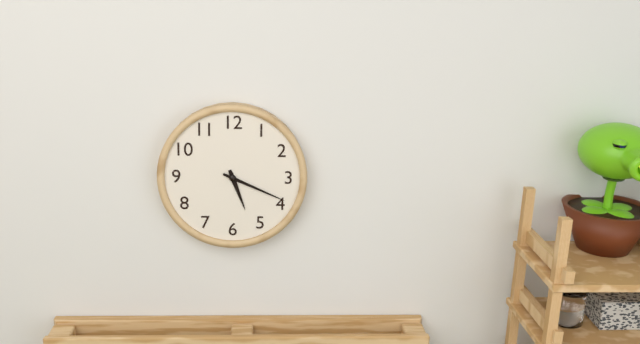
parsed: **5:19**
